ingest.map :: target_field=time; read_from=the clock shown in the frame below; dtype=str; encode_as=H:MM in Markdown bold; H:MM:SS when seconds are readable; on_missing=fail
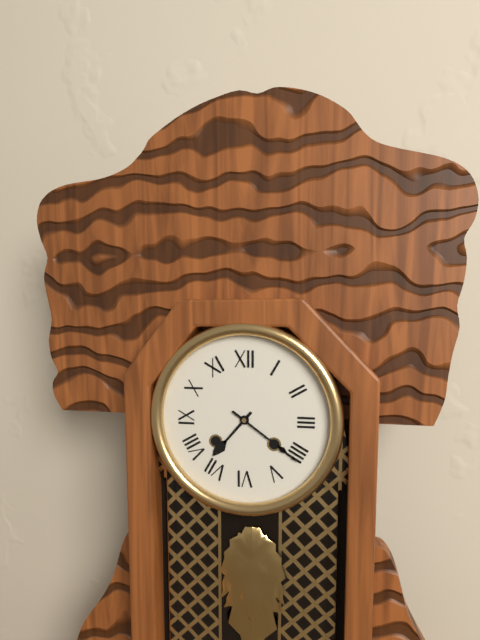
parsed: **7:21**
